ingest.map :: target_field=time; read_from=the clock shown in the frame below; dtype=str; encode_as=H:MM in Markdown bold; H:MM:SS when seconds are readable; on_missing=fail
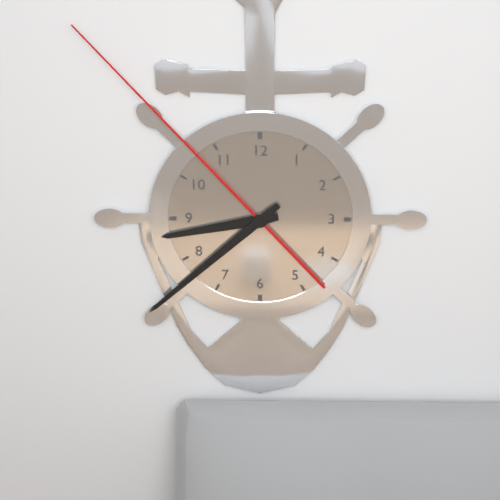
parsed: **8:38:53**
